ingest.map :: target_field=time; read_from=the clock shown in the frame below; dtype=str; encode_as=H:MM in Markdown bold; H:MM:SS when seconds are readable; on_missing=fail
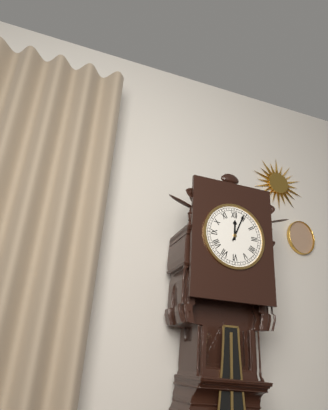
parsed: **12:04**
